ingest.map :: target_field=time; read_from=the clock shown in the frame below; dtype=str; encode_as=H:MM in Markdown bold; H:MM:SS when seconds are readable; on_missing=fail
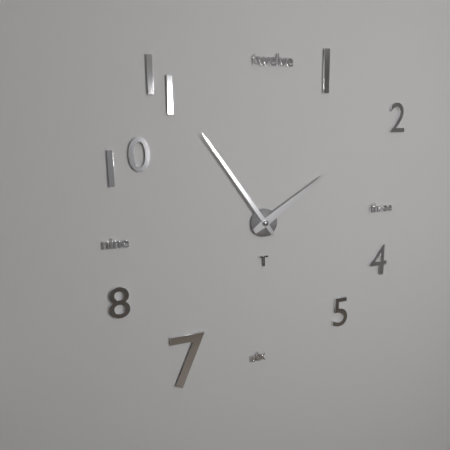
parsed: **1:54**
